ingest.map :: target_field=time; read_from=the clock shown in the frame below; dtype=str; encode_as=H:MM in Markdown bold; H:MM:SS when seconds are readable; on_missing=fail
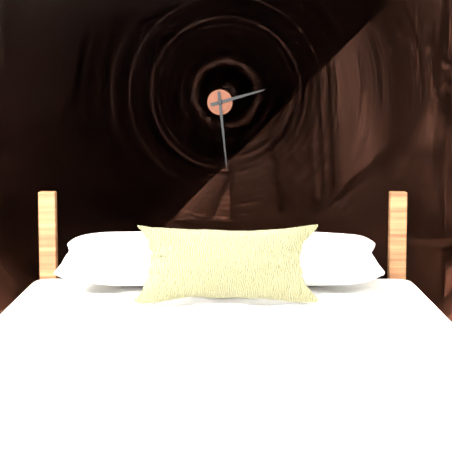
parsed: **2:29**
